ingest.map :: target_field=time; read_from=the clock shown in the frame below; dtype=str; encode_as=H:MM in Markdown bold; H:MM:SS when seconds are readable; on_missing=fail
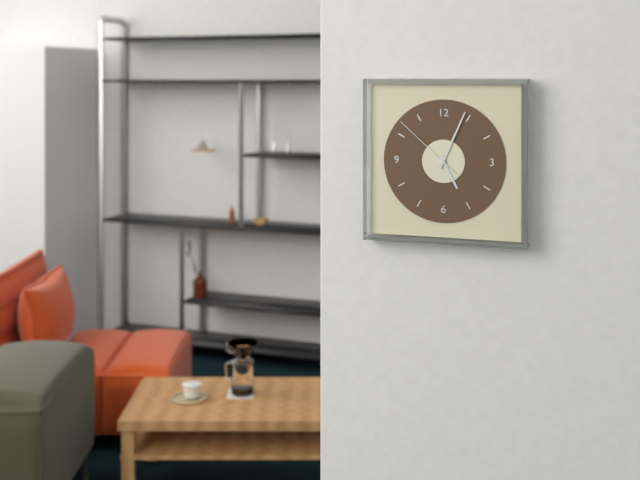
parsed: **5:04:52**
